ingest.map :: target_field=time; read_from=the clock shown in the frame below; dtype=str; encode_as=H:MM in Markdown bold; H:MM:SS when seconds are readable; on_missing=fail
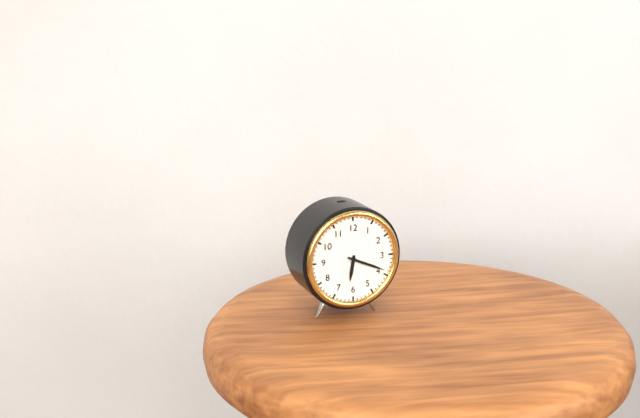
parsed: **6:19**
